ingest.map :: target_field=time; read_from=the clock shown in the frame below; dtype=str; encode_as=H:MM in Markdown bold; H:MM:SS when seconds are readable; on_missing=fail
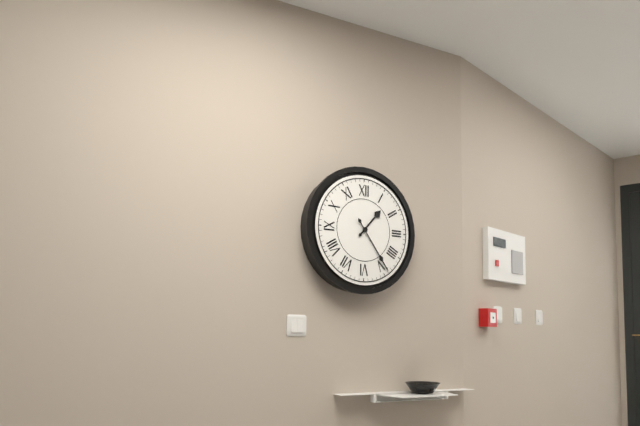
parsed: **1:24**
